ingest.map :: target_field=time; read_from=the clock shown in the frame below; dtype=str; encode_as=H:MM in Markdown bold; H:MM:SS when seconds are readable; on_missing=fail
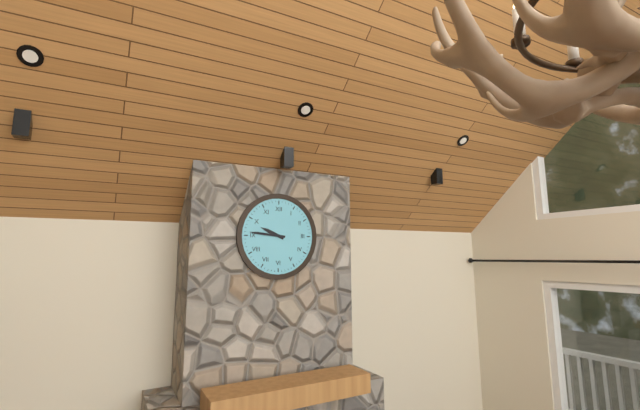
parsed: **9:46**
